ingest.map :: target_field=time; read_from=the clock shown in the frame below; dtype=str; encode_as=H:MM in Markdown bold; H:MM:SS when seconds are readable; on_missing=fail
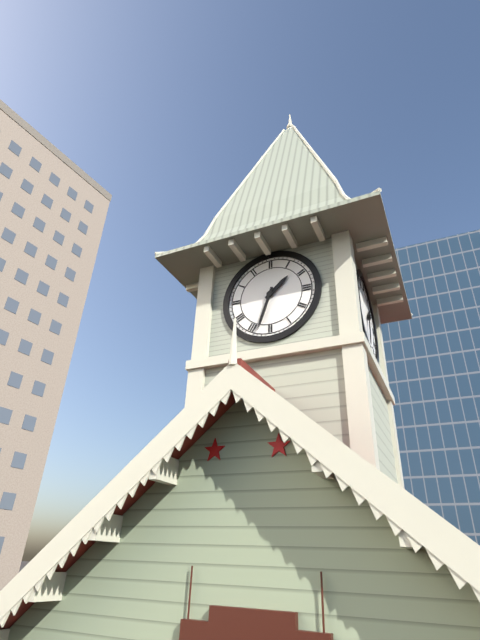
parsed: **1:33**
